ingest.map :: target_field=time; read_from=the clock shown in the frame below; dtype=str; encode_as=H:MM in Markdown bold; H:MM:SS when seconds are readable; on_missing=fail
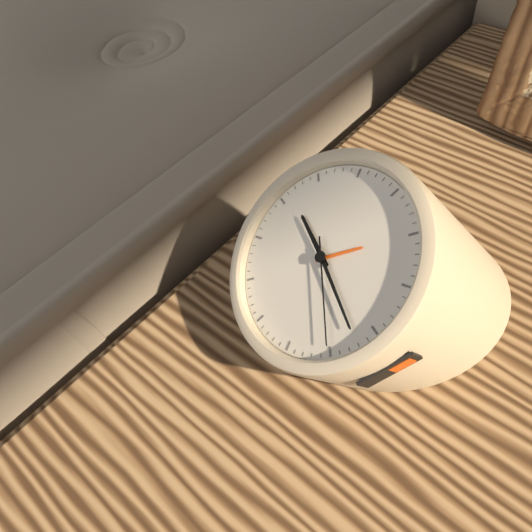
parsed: **9:17:20**
